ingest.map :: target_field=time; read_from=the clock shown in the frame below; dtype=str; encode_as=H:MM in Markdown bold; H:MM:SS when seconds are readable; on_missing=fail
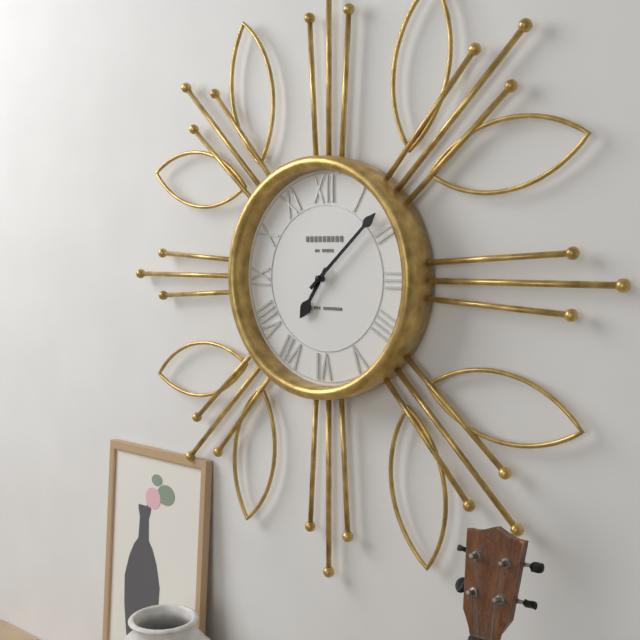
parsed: **7:08**
